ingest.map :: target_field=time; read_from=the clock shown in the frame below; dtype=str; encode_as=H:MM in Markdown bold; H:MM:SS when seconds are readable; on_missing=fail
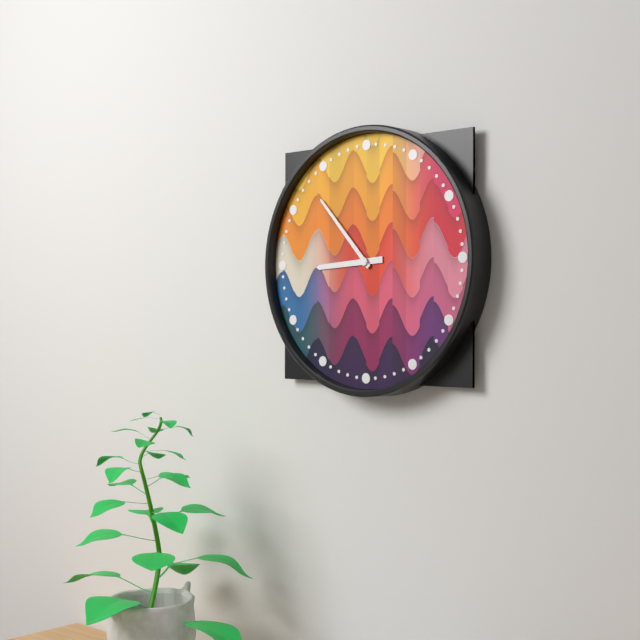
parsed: **8:53**
